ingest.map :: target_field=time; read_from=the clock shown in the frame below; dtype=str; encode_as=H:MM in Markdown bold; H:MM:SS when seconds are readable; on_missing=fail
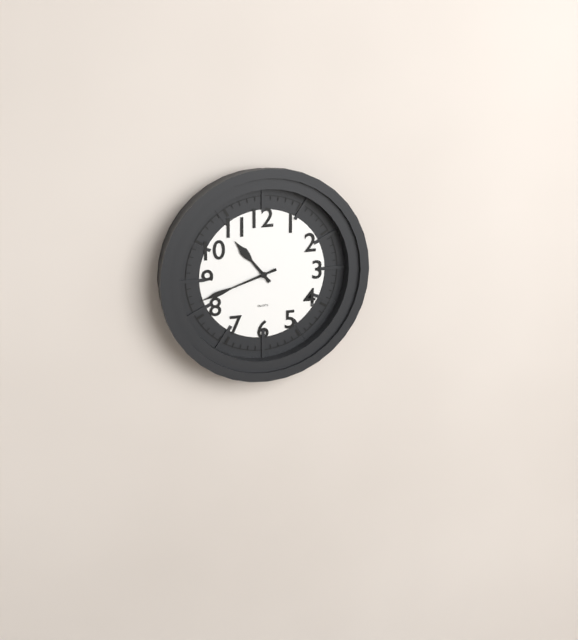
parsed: **10:42**
